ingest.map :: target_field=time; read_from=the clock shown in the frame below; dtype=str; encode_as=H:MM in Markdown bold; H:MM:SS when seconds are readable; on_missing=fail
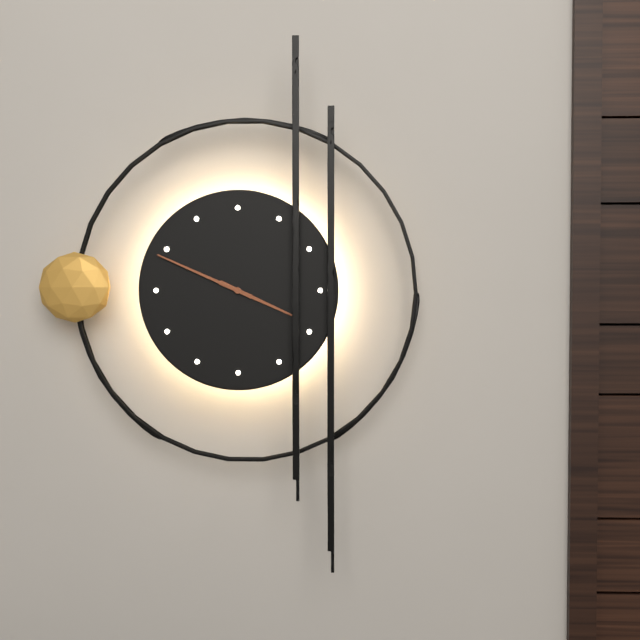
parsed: **3:49**
